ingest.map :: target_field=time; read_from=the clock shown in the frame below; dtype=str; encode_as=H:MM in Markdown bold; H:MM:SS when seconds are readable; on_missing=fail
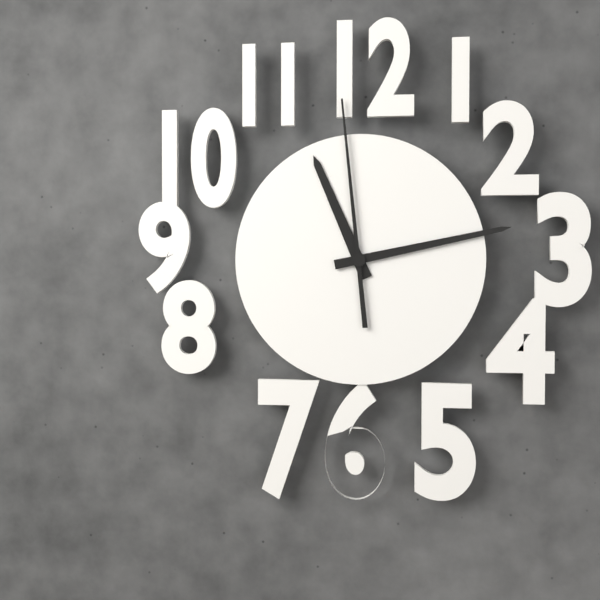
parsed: **11:13:59**
